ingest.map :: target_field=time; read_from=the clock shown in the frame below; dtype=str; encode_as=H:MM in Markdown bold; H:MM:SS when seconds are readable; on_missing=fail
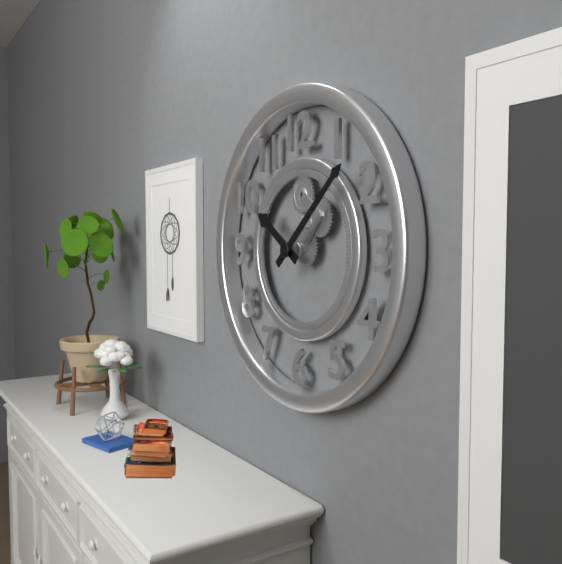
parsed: **10:08**
